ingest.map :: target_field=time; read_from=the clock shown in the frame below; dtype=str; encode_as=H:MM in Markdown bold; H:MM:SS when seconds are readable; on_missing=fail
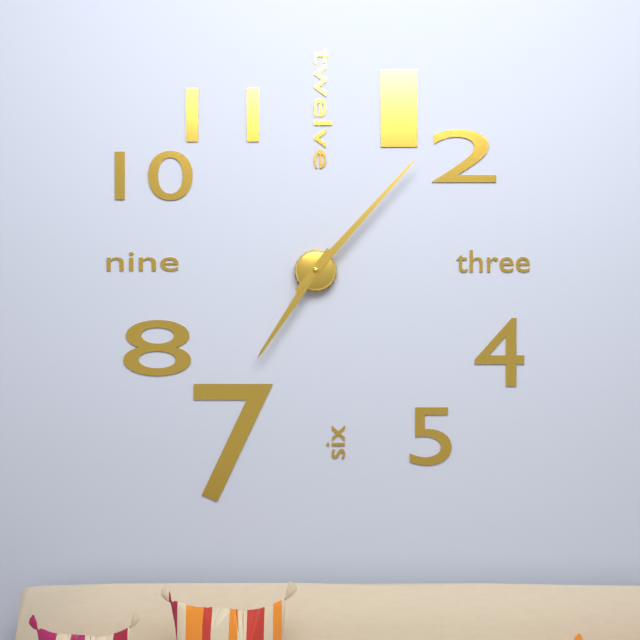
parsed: **7:07**
